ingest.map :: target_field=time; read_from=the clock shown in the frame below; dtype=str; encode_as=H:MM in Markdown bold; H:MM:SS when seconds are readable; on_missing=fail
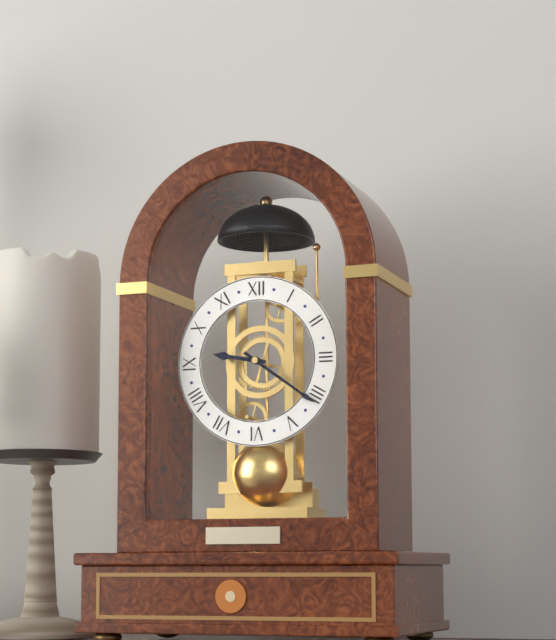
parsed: **9:21**
